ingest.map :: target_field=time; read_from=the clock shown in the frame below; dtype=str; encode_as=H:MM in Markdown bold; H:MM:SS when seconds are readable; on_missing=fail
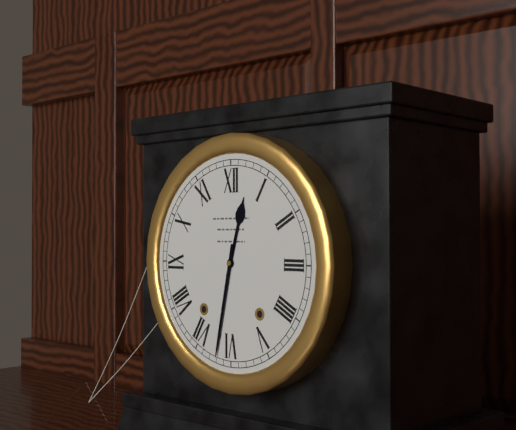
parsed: **12:32**
